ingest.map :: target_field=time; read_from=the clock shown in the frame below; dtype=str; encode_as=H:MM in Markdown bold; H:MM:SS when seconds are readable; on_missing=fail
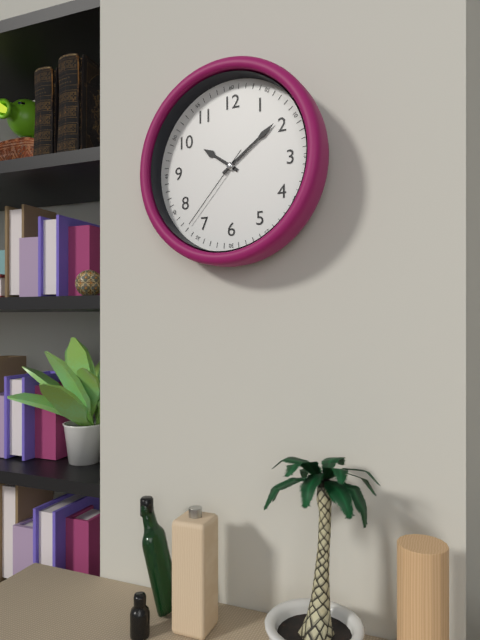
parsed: **10:09:37**
